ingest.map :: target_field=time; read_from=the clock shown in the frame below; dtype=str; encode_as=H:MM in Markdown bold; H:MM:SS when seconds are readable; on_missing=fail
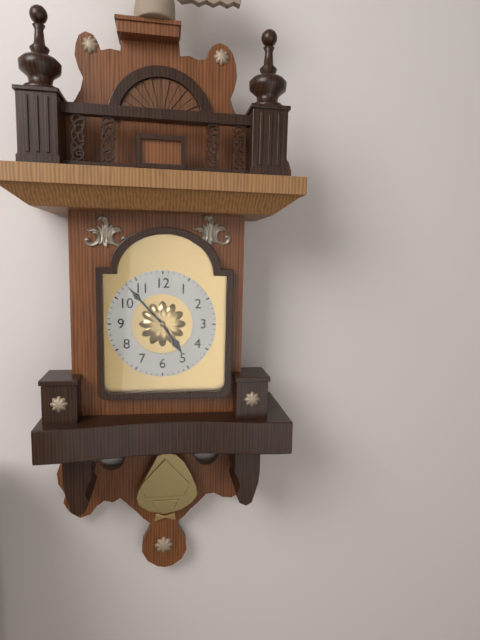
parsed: **4:53**
